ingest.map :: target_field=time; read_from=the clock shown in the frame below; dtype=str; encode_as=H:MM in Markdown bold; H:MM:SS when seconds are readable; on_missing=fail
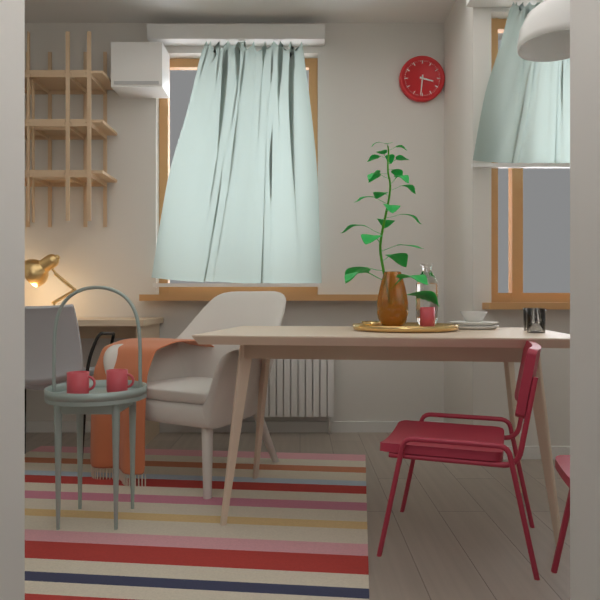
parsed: **3:31**
